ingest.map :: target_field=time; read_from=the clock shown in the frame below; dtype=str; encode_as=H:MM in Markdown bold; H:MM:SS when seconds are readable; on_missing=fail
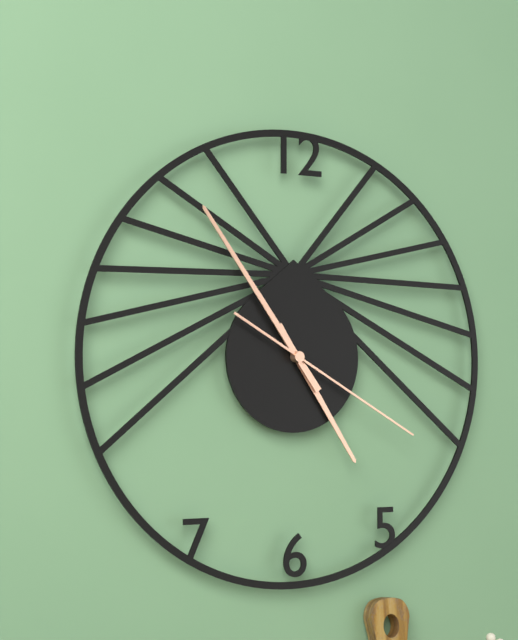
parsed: **4:54:20**
